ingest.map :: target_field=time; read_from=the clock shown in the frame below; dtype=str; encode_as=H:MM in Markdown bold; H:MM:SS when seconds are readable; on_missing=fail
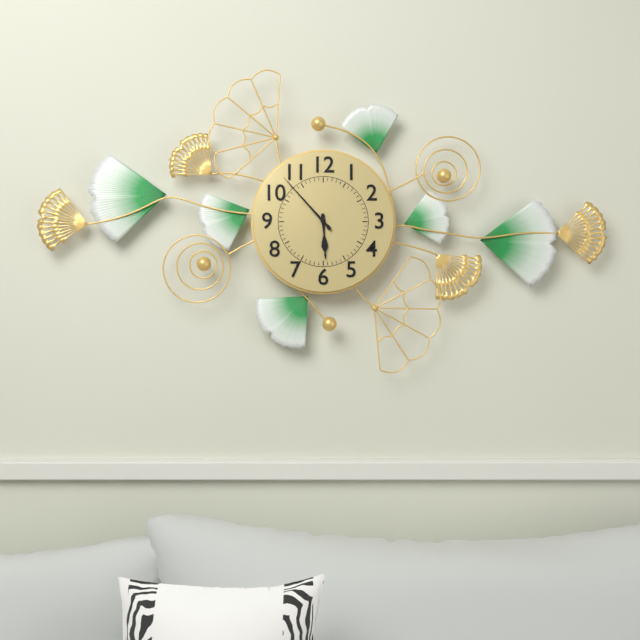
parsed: **5:53**
